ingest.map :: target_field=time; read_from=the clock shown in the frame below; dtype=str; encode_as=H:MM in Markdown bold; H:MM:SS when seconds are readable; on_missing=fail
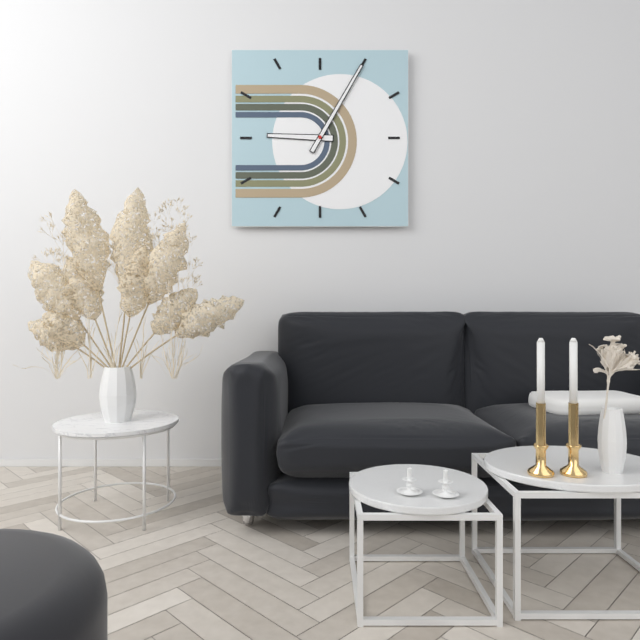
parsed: **9:05**
